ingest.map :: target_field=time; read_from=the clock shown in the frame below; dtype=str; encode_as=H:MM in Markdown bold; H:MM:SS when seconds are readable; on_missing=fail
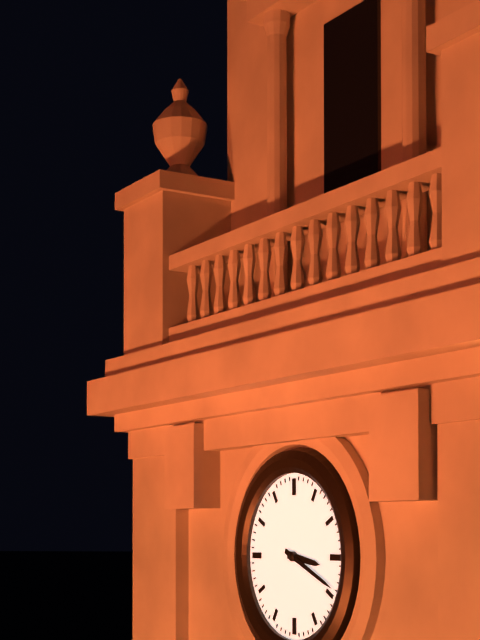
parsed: **3:19**
